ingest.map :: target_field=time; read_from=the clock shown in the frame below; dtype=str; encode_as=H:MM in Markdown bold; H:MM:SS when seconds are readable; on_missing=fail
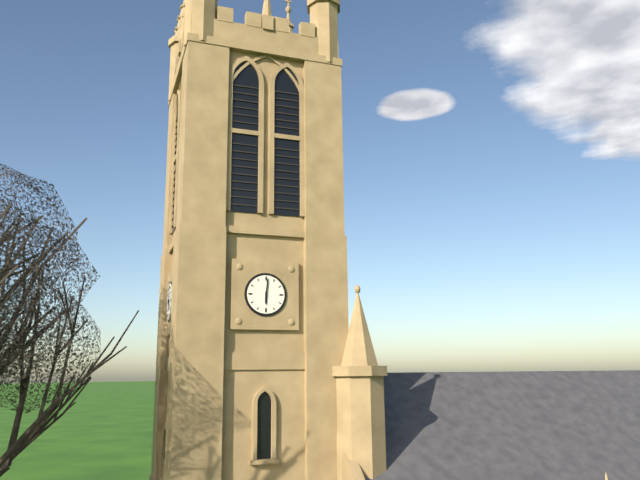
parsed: **6:01**
